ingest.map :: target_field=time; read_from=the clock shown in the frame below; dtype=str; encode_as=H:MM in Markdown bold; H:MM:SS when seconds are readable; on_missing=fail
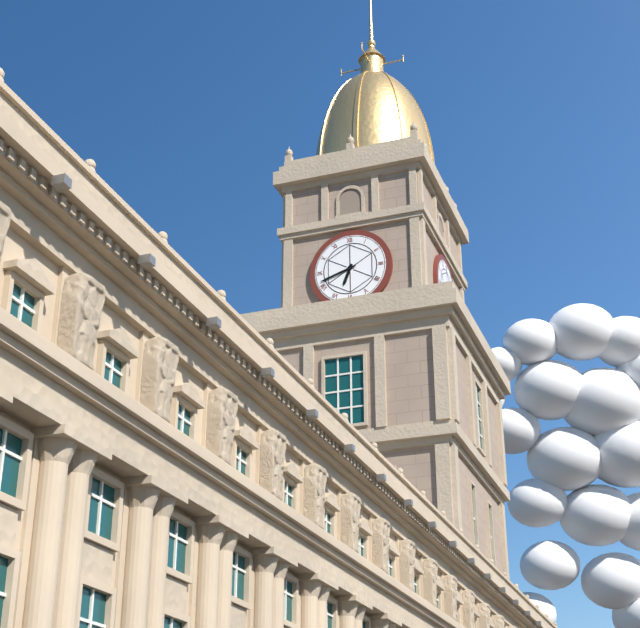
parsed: **6:42**
